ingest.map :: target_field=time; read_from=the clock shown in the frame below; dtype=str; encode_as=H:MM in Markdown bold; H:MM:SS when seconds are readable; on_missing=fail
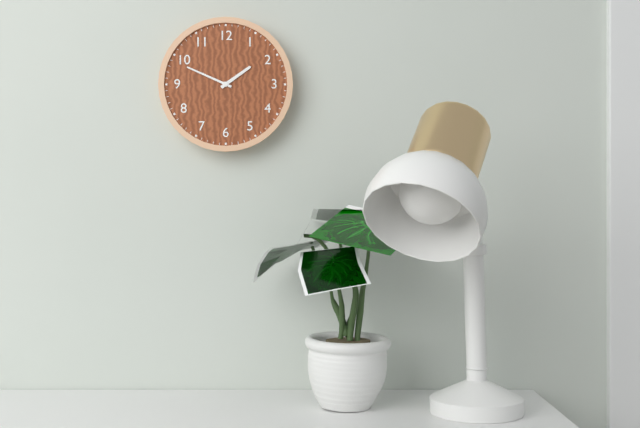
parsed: **1:49**
